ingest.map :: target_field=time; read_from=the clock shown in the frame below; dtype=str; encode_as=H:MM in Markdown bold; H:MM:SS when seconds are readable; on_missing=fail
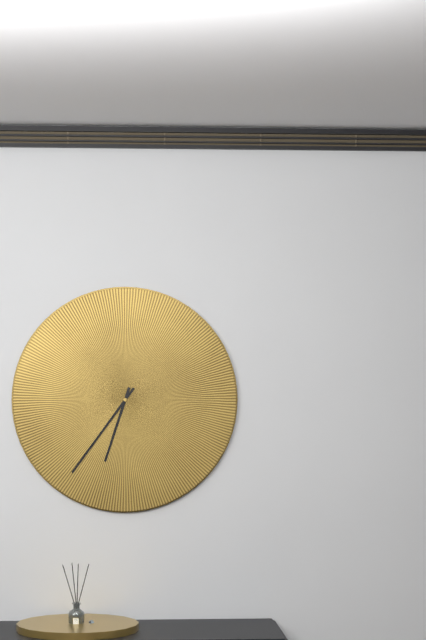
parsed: **6:36**
